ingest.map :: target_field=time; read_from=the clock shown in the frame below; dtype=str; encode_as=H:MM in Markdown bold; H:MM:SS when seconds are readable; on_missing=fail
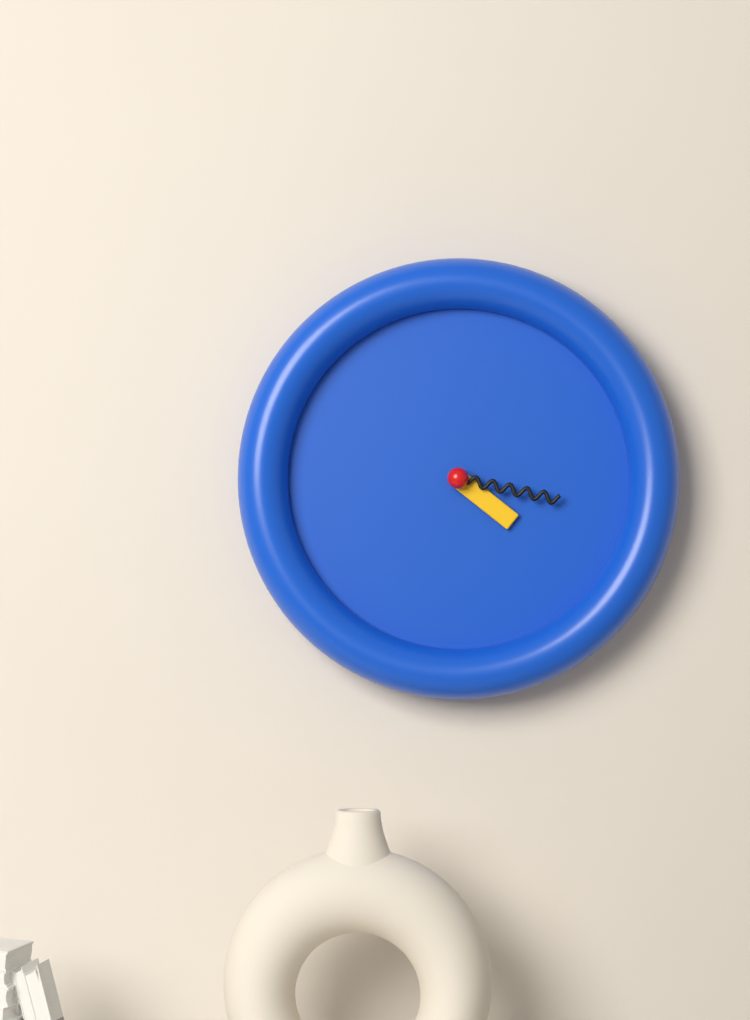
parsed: **4:17**
